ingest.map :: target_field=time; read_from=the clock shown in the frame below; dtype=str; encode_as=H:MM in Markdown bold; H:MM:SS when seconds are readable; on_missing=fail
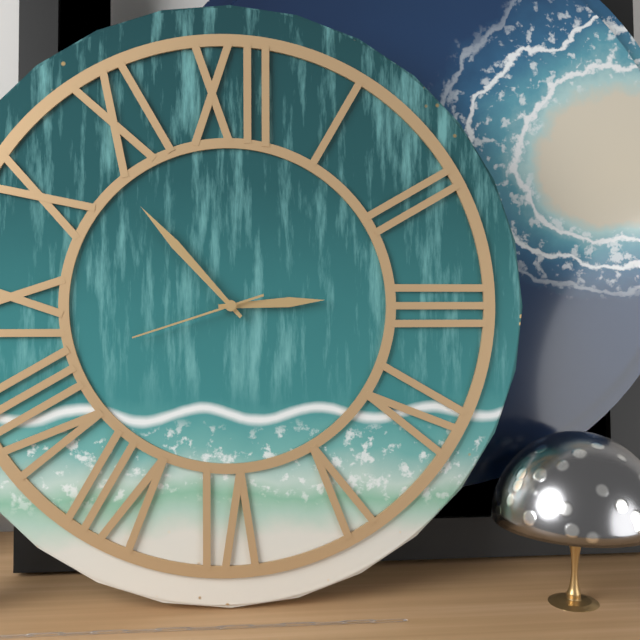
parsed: **2:53:42**
